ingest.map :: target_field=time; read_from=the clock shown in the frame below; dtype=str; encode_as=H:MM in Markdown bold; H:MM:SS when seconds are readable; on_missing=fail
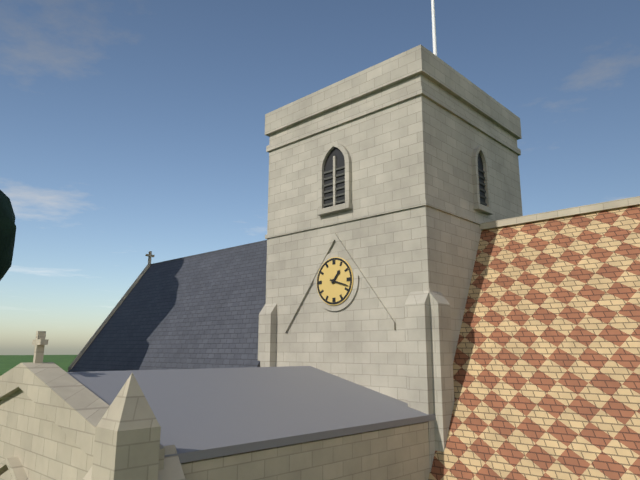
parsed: **1:18**
